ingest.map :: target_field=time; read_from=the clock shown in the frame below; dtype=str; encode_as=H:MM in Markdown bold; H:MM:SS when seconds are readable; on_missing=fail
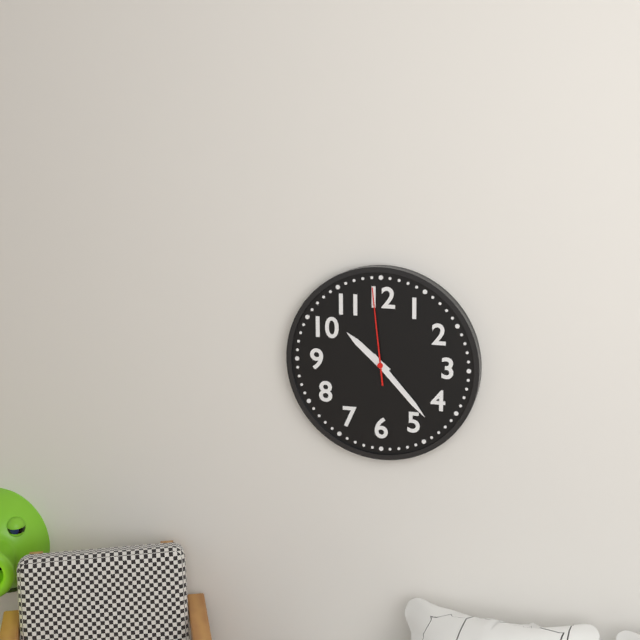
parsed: **10:23:59**
